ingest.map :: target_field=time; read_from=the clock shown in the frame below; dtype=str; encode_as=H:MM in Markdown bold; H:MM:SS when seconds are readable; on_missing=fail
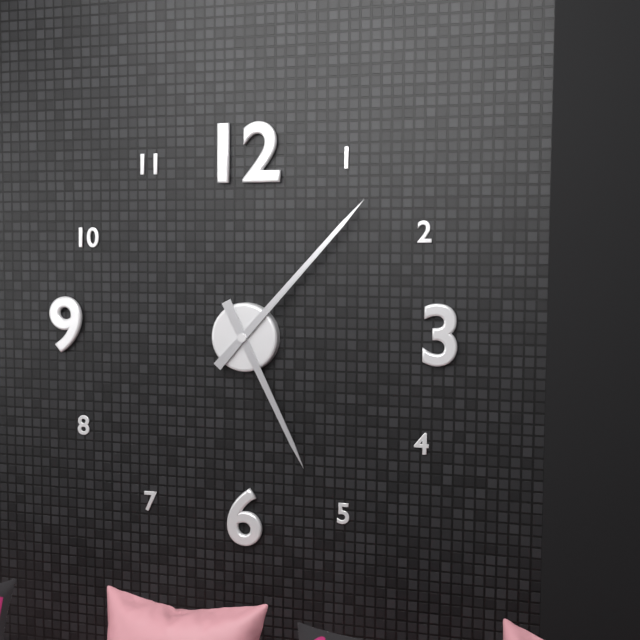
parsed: **5:07**
